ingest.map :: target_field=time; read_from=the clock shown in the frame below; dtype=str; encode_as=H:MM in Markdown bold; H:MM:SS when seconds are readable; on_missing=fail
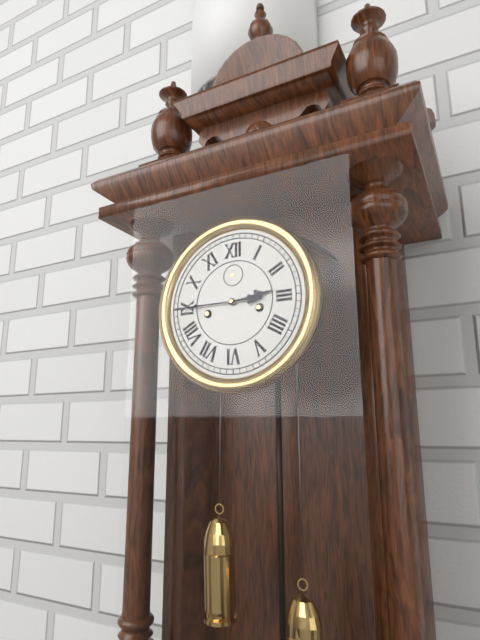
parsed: **2:45**
